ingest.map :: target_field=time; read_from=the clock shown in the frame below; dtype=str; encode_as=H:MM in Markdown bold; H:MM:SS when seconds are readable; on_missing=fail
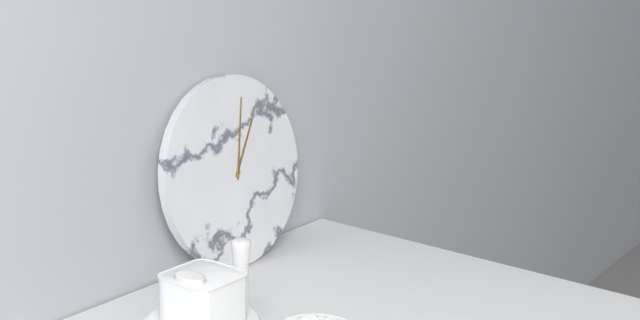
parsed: **1:02**
